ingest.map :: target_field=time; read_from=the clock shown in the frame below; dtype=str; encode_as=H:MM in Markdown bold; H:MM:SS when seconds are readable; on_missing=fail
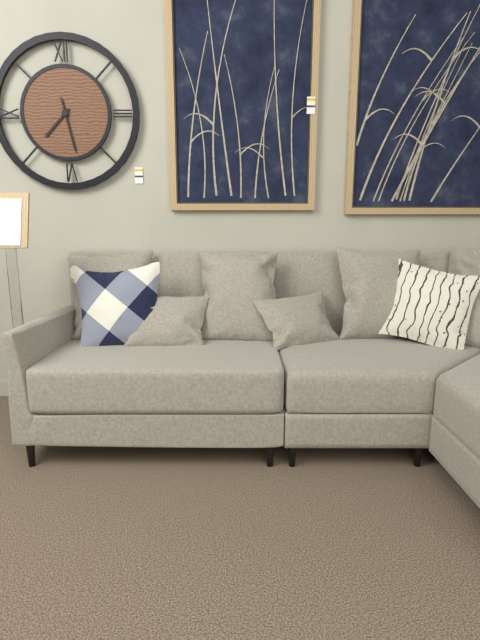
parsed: **7:28**
